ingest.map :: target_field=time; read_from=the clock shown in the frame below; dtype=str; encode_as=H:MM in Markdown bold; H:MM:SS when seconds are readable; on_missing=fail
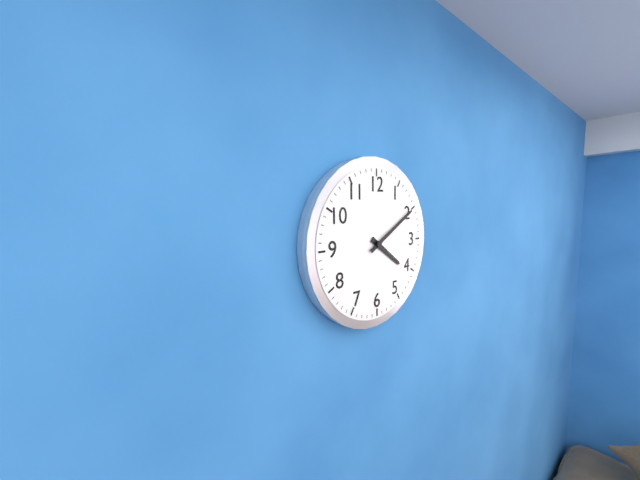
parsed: **4:10**
